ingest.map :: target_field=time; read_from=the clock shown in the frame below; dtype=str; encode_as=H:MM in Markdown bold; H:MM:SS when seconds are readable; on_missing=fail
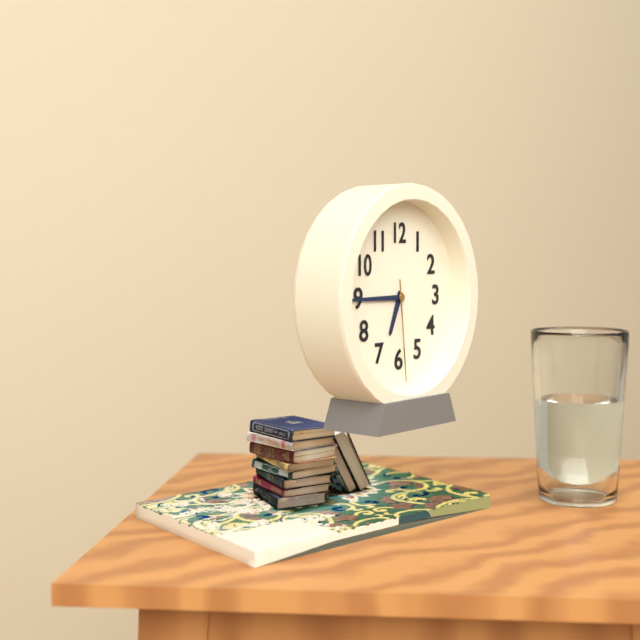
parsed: **6:45:29**
